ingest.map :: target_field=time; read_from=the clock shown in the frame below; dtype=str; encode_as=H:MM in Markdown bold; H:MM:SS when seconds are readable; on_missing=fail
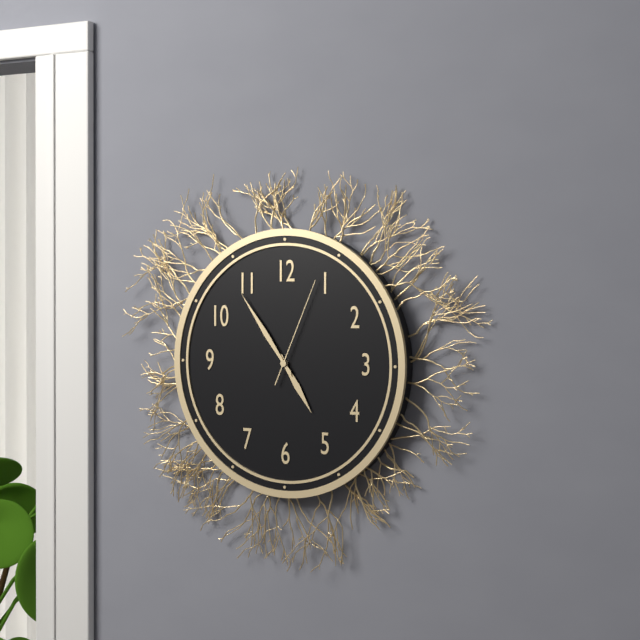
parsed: **4:54:04**
